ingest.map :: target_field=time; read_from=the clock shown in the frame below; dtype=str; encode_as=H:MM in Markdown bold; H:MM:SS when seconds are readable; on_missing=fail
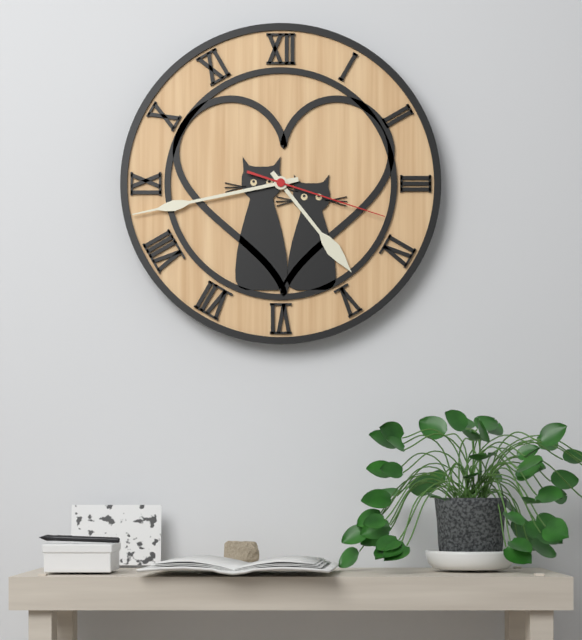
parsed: **4:43:18**
